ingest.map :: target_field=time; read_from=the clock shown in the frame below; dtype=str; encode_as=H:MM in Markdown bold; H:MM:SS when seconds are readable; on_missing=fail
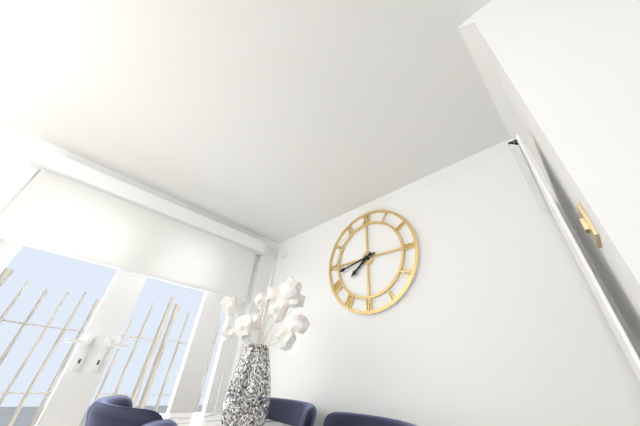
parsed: **7:43**
